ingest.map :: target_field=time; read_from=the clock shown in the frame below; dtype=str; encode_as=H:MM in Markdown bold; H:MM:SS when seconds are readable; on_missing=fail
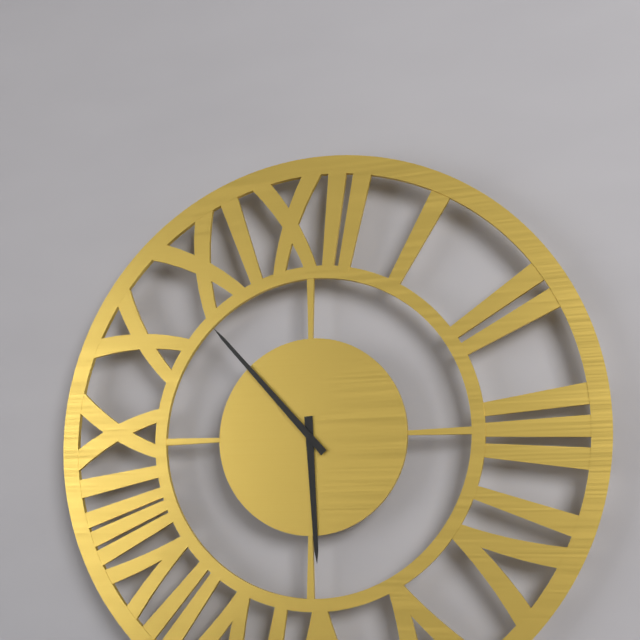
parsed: **5:53**
